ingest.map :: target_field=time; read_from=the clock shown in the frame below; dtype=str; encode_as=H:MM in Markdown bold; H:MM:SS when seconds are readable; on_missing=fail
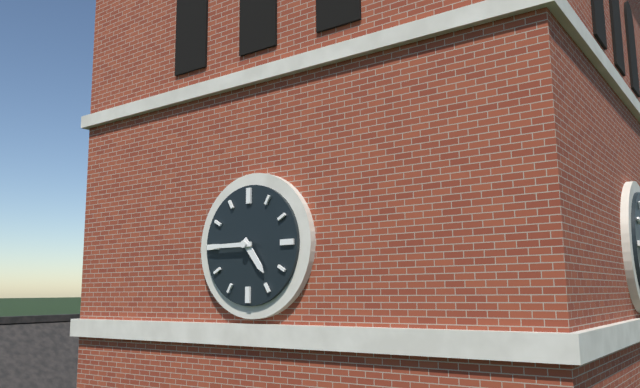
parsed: **4:45**
